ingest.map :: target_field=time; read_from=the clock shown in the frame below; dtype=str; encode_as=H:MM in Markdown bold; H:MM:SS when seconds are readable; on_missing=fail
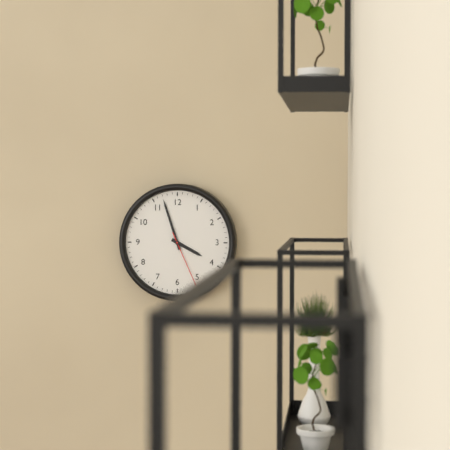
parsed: **3:57:26**
